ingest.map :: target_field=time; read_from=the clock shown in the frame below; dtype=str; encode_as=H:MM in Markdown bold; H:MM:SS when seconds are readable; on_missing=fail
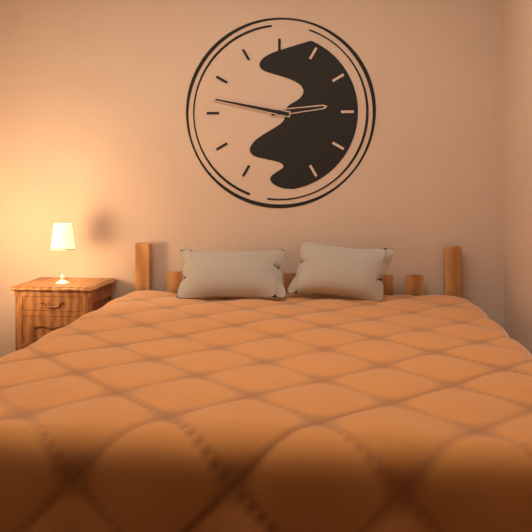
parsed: **2:47**
